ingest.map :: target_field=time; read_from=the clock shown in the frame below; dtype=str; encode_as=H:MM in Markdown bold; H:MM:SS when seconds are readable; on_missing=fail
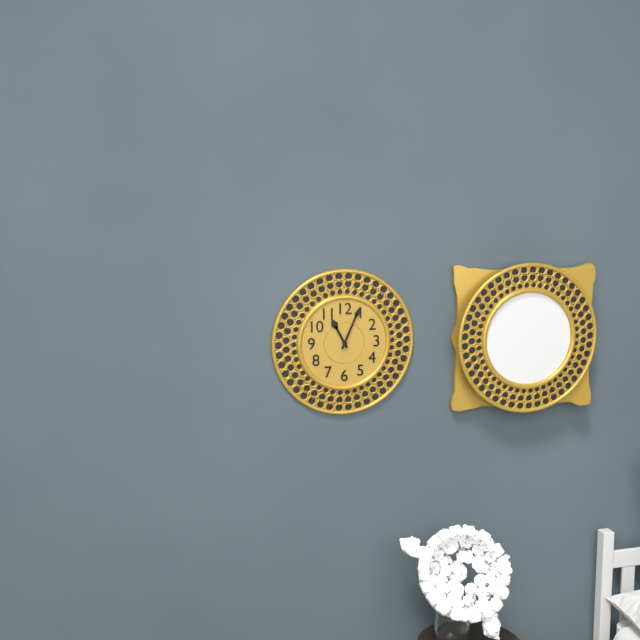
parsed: **11:04**
